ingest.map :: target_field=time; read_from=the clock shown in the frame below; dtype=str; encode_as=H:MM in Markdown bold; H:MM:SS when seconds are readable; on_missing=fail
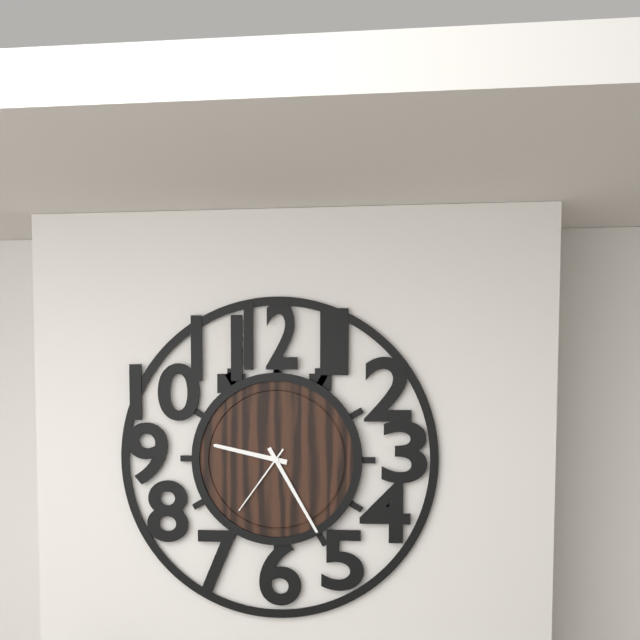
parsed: **9:25:36**
